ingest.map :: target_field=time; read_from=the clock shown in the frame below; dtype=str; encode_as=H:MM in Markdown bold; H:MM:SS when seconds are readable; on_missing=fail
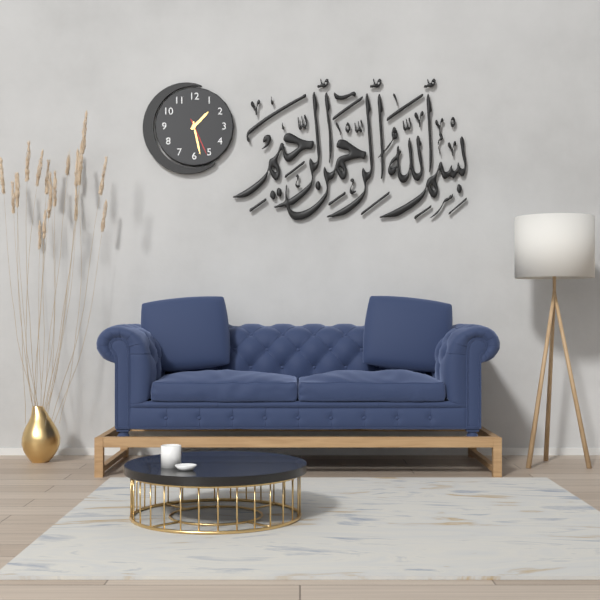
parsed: **1:28**
